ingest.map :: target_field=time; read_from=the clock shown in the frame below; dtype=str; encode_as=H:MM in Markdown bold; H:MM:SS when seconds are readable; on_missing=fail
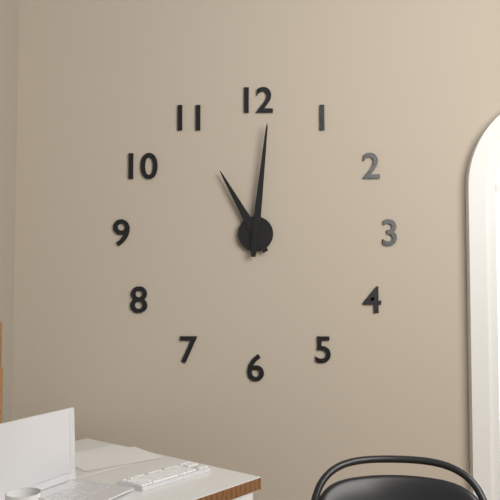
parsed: **11:01**
